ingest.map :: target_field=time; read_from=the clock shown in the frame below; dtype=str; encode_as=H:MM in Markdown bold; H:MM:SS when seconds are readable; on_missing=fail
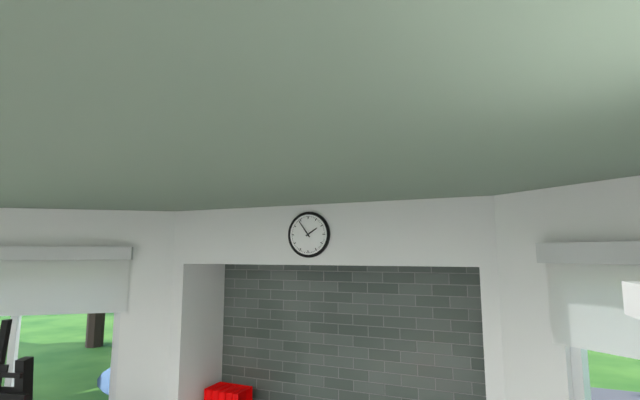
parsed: **1:54**
